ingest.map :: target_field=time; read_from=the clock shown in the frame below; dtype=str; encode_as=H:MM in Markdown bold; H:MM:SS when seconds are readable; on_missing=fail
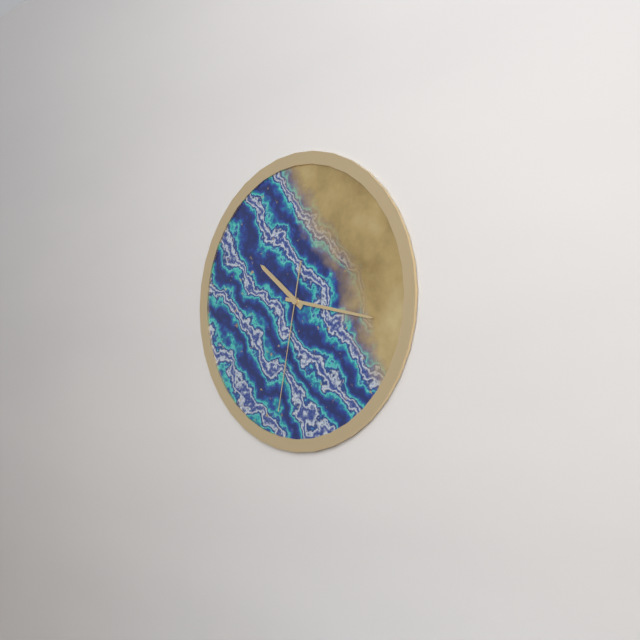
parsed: **10:17:32**
